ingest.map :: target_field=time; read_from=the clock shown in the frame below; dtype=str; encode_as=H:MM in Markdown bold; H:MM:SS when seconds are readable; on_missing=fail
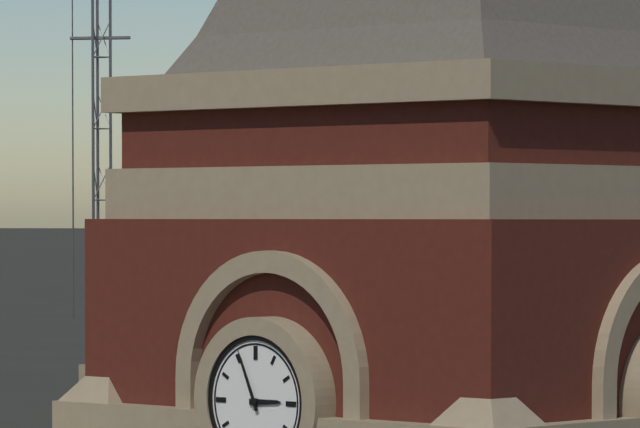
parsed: **2:56**
